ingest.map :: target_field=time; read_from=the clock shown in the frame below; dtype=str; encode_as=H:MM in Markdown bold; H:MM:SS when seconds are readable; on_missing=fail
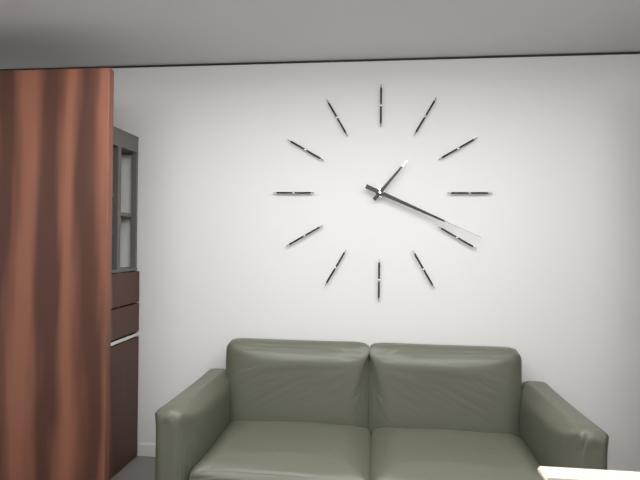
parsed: **1:19**
